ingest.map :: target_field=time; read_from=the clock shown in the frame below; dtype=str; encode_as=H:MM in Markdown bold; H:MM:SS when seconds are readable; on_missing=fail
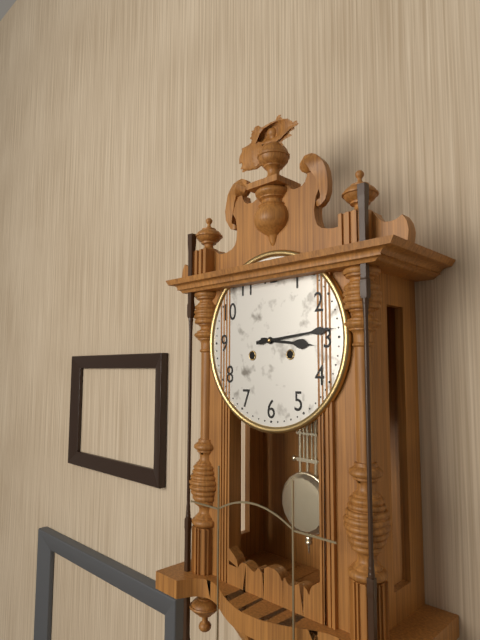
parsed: **3:14**
